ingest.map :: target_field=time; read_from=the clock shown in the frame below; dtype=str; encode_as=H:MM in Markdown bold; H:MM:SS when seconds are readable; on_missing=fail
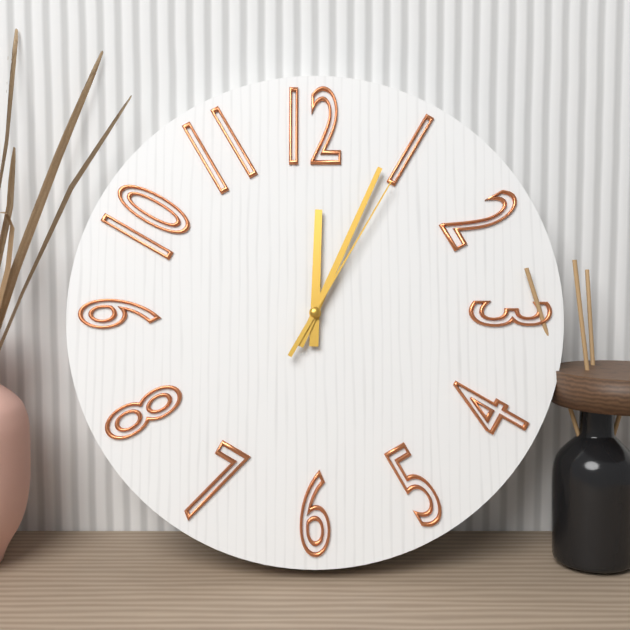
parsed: **12:04:05**
